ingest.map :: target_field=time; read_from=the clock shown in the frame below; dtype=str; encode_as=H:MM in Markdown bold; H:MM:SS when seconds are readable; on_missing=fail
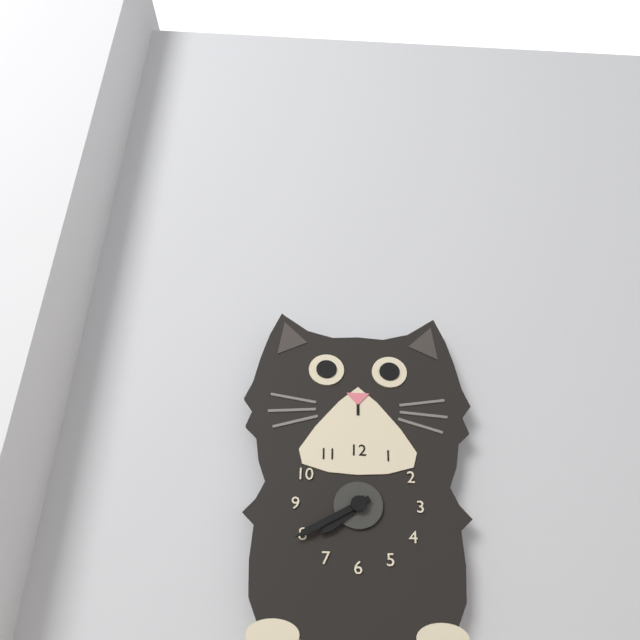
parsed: **7:40**
